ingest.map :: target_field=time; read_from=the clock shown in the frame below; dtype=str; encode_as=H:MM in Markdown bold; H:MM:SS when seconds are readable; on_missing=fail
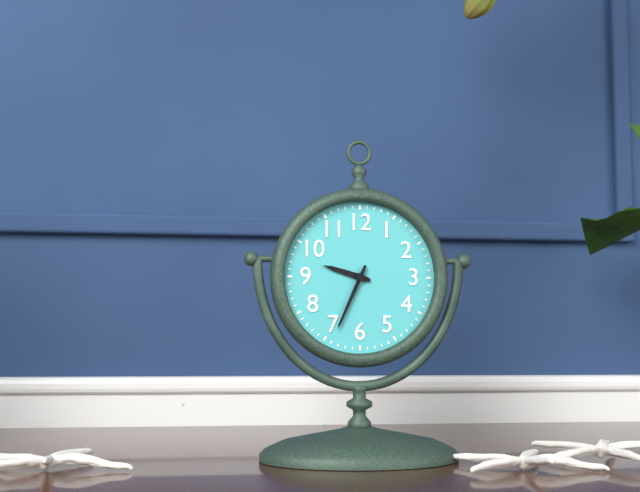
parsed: **9:34**
